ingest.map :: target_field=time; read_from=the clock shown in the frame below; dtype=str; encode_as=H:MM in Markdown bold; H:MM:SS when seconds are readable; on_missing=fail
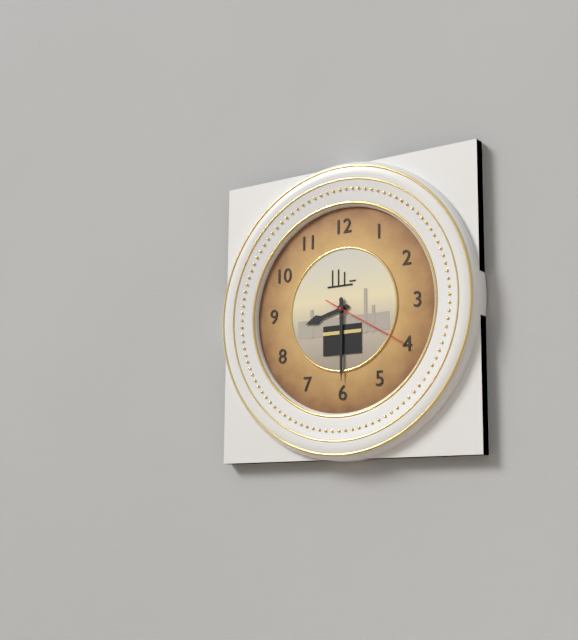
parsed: **8:30:20**
